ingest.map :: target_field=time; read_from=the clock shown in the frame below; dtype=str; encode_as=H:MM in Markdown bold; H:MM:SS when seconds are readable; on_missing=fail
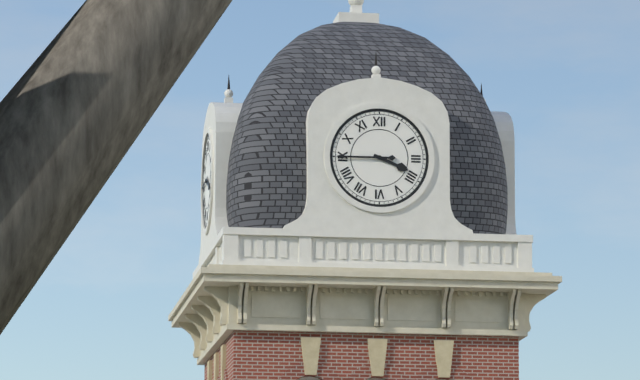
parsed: **3:45**
